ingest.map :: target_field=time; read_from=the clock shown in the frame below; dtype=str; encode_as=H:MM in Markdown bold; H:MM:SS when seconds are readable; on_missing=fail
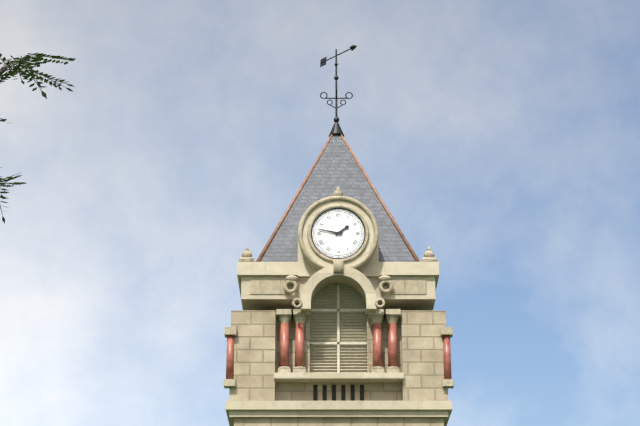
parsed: **1:47**
